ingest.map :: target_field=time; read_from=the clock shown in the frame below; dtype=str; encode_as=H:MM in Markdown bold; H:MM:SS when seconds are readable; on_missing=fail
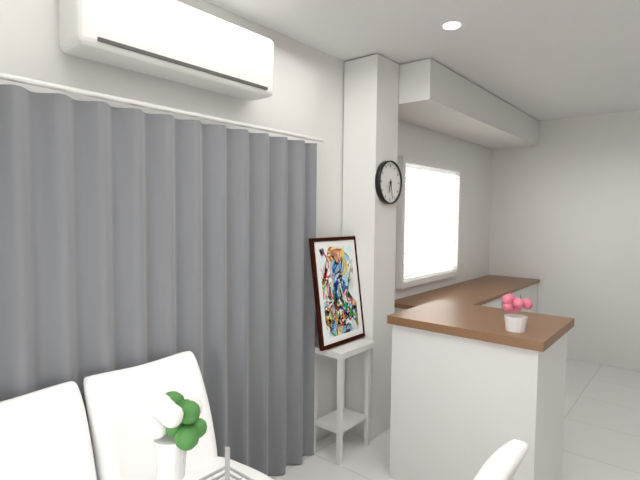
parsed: **6:28**
